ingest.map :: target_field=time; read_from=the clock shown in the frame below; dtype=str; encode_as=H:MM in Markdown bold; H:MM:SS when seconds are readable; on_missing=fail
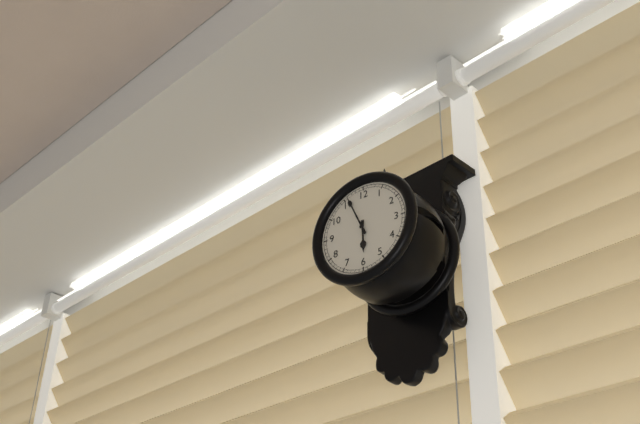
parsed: **5:56**
